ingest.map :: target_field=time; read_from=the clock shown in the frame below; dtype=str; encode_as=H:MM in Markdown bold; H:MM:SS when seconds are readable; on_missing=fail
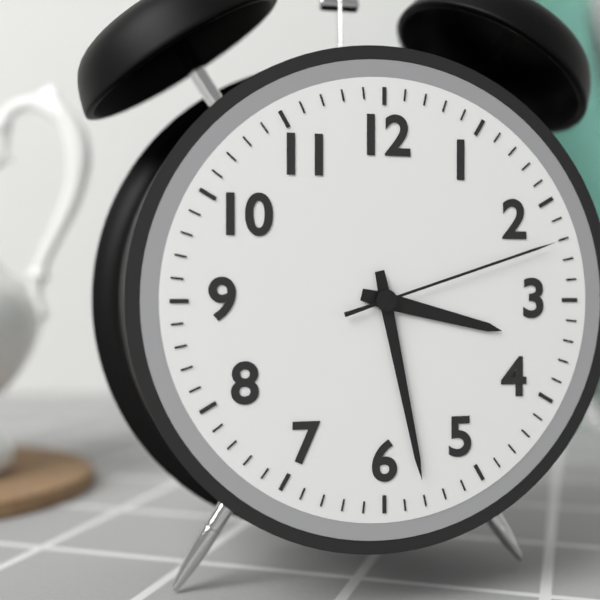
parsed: **3:28:12**
